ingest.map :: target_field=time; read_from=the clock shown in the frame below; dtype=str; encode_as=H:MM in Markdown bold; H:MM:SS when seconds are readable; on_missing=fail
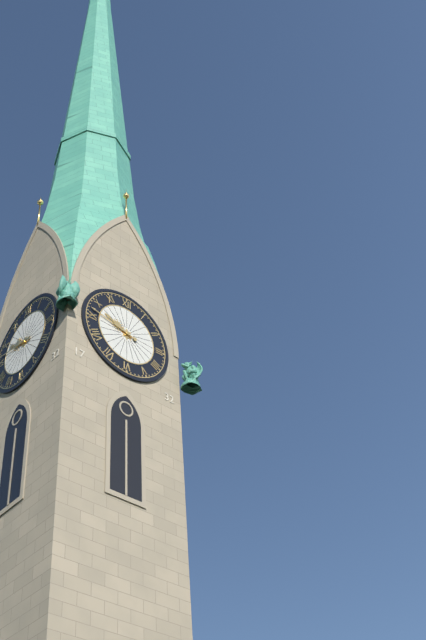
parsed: **9:47**
